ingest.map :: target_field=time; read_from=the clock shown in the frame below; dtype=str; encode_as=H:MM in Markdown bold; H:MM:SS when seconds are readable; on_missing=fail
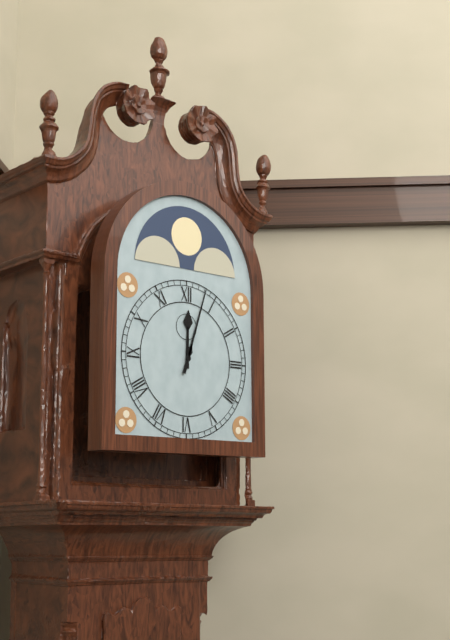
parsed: **12:03**
